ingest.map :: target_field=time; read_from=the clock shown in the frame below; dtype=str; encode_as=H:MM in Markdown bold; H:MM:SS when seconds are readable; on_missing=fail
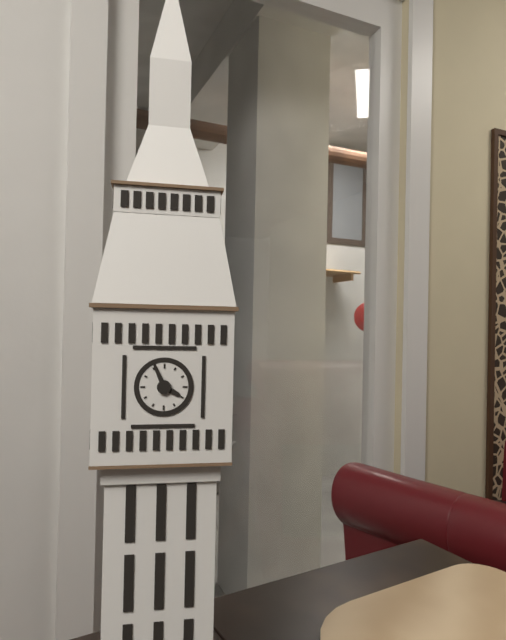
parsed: **3:56**
